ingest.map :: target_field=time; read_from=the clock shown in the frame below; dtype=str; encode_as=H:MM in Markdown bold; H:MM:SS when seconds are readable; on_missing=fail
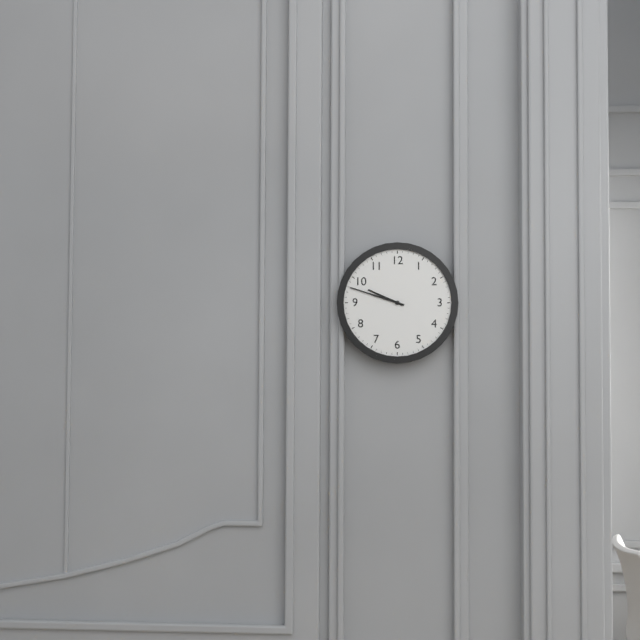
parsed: **9:48**
